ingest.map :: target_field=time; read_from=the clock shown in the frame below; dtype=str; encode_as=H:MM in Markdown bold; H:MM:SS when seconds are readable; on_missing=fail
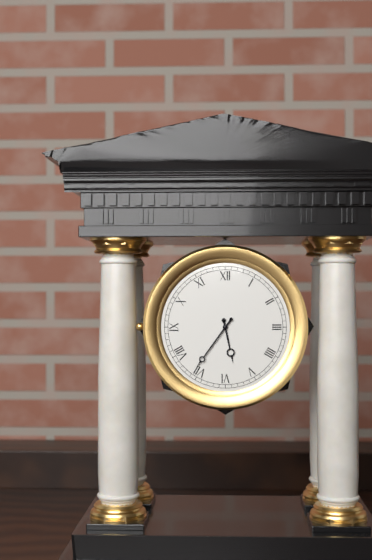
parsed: **5:36**
